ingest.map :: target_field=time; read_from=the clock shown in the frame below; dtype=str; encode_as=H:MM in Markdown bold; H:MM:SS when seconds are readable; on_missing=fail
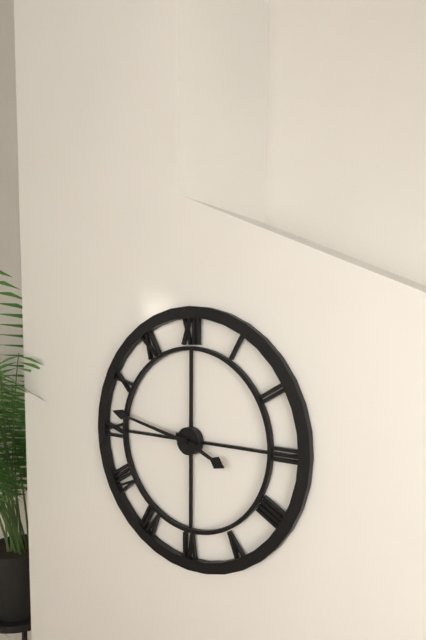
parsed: **3:47**
